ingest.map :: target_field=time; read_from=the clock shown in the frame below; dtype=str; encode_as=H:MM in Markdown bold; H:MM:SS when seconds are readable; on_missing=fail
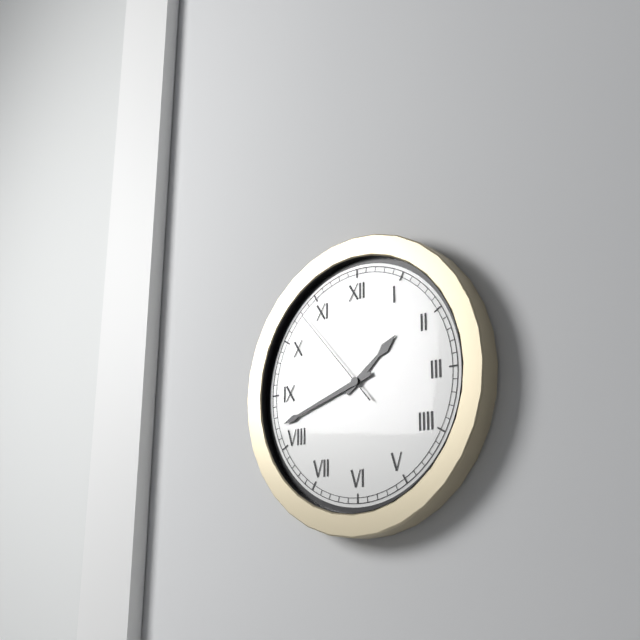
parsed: **1:42:53**
